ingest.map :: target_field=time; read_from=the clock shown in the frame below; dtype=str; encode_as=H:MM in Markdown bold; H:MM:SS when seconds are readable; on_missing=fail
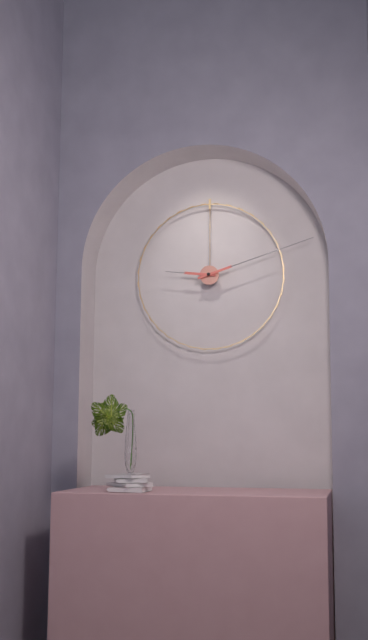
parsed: **9:12**
